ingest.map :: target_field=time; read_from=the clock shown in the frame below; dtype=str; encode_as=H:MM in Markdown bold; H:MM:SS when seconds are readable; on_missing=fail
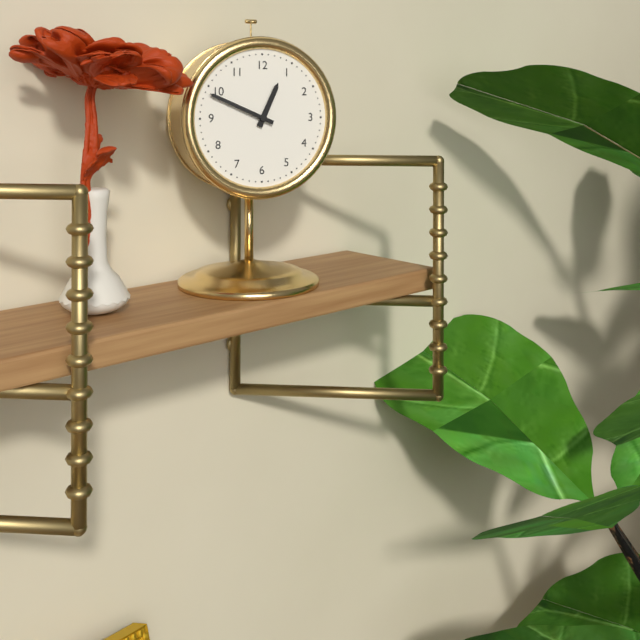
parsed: **12:49**
